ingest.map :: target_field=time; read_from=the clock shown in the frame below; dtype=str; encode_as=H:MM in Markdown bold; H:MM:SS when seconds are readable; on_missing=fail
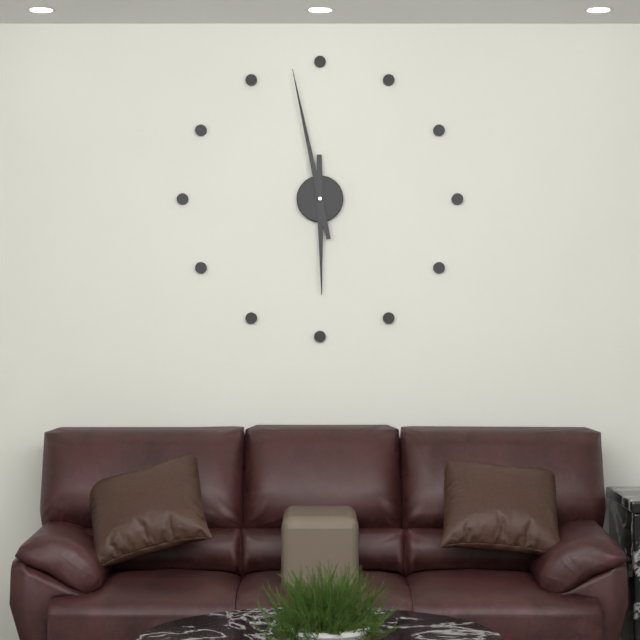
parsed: **5:58**
